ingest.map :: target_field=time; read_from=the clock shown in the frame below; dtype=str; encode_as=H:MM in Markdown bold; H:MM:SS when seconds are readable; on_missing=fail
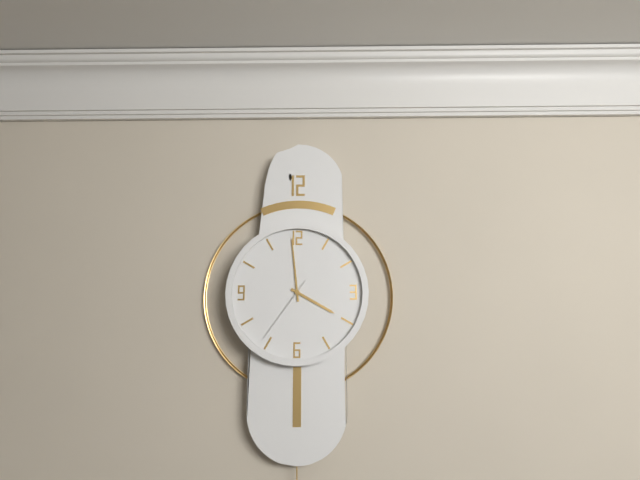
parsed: **3:59:36**
